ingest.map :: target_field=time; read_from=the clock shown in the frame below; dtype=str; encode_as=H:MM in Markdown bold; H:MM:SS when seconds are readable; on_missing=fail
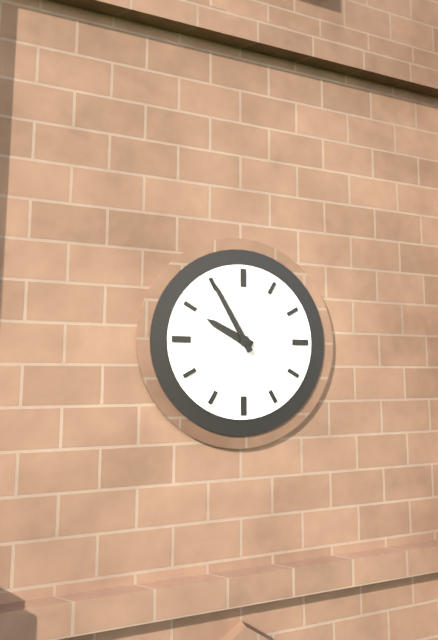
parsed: **9:55**
